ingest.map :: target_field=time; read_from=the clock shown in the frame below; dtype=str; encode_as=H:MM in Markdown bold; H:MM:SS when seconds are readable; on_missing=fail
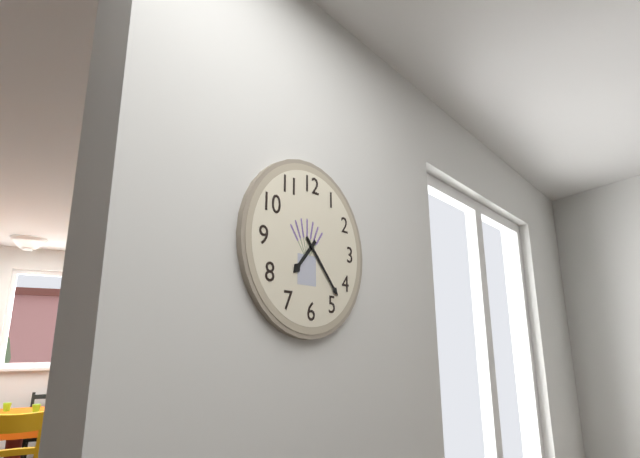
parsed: **7:23**
